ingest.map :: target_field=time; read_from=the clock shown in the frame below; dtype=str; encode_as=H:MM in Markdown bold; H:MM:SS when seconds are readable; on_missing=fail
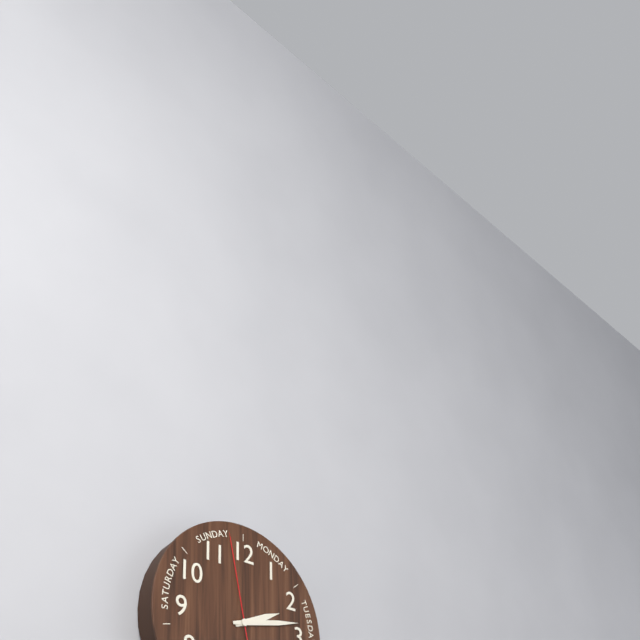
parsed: **2:13:58**
